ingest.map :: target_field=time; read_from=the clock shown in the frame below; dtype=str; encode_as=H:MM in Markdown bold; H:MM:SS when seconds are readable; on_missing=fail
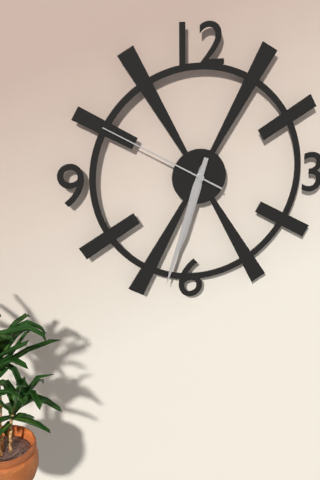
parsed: **6:33:50**
